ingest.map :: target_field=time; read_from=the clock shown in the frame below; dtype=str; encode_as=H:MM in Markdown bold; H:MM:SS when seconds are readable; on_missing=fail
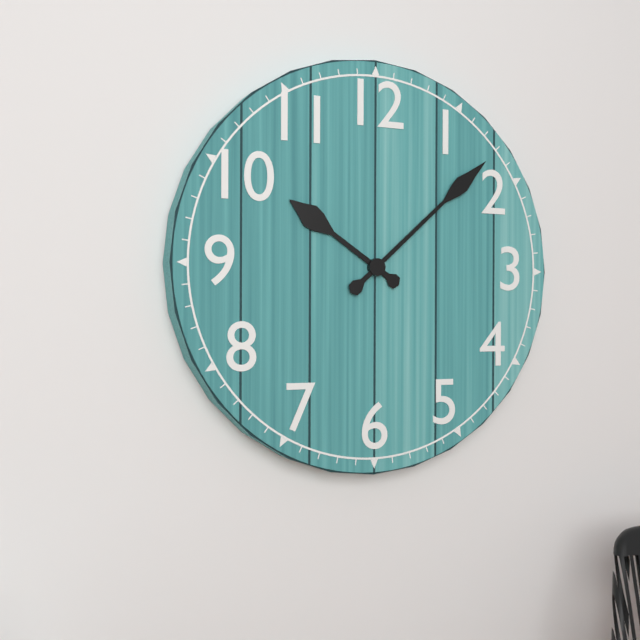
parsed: **10:08**
